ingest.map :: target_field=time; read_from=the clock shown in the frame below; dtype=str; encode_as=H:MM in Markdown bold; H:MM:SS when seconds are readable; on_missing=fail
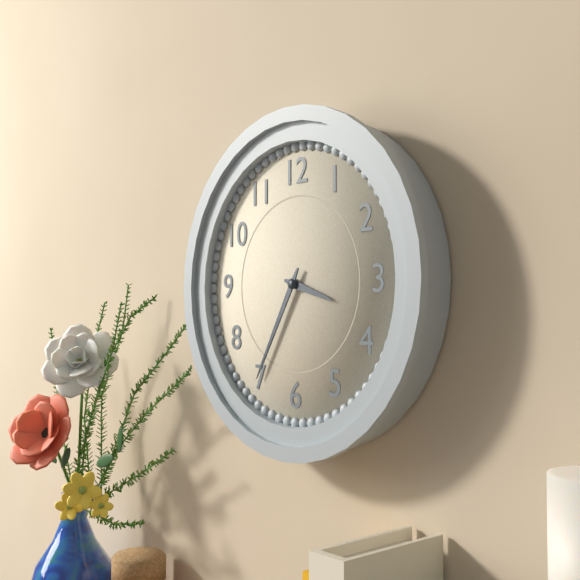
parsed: **3:35**
